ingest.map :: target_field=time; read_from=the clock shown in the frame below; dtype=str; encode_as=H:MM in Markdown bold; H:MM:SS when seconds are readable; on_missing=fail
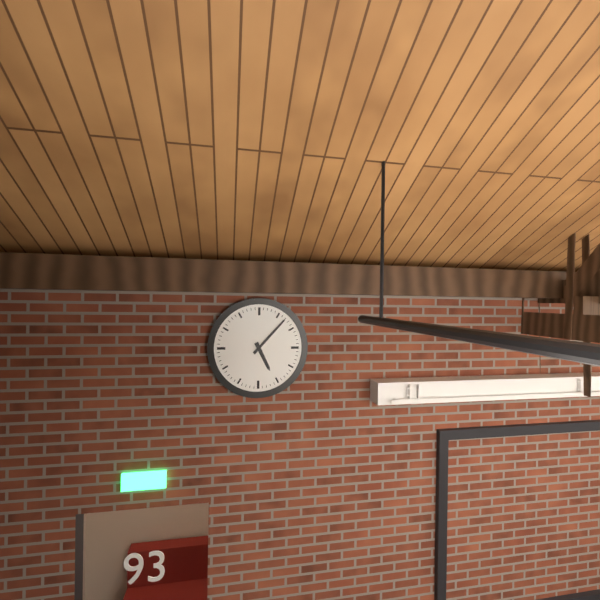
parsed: **5:07**
